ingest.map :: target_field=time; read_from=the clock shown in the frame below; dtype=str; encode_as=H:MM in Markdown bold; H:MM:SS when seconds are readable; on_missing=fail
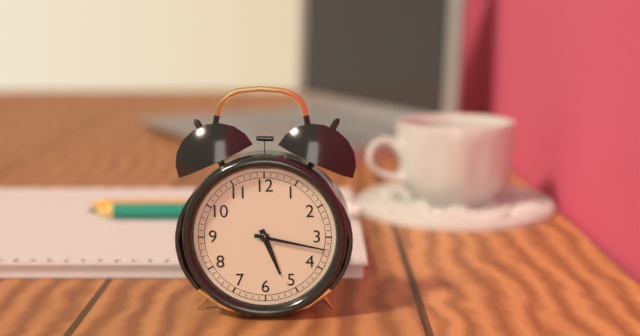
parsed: **5:17**
